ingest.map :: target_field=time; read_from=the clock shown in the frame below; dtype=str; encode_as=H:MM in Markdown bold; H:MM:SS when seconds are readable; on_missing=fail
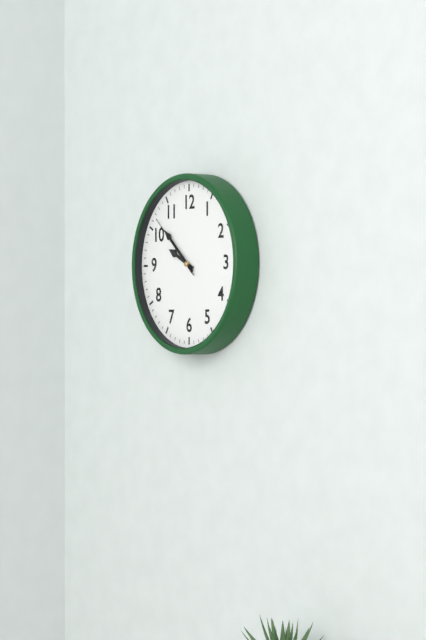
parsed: **9:52:52**
